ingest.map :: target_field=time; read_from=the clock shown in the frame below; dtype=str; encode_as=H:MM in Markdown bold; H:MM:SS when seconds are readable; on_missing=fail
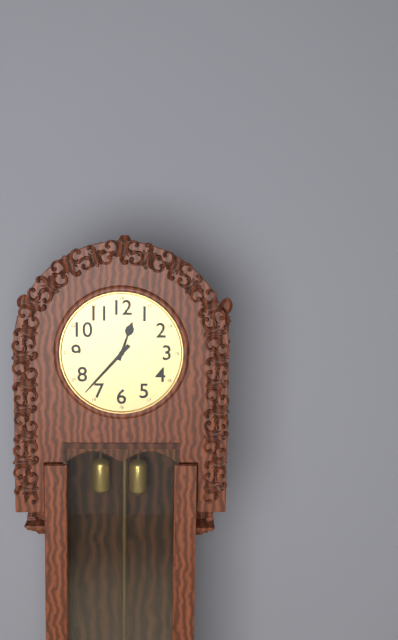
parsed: **12:37**
